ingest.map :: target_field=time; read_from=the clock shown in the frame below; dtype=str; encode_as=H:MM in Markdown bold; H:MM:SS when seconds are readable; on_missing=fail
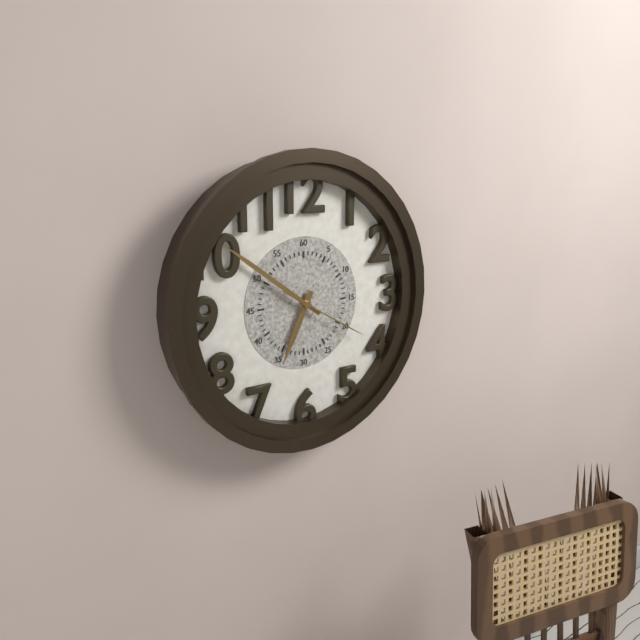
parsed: **6:51:20**
